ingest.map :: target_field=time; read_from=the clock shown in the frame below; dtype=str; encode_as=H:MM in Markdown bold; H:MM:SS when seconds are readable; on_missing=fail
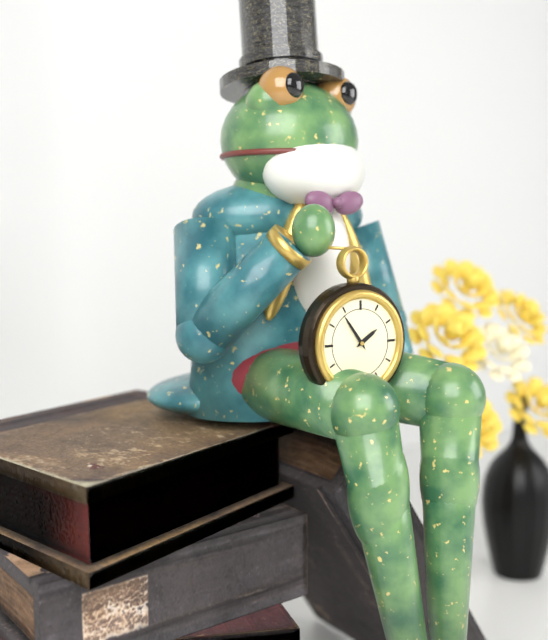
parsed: **1:54**
